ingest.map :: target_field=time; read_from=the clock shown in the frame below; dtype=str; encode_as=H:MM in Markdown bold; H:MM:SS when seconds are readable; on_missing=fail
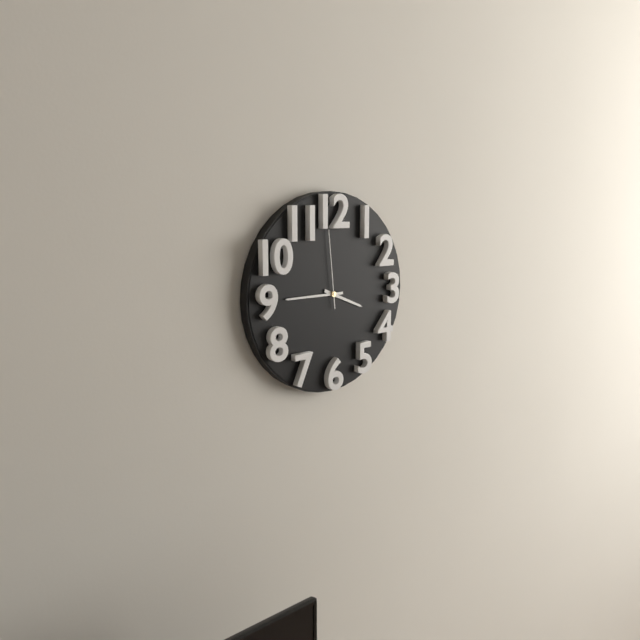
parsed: **3:45:59**
